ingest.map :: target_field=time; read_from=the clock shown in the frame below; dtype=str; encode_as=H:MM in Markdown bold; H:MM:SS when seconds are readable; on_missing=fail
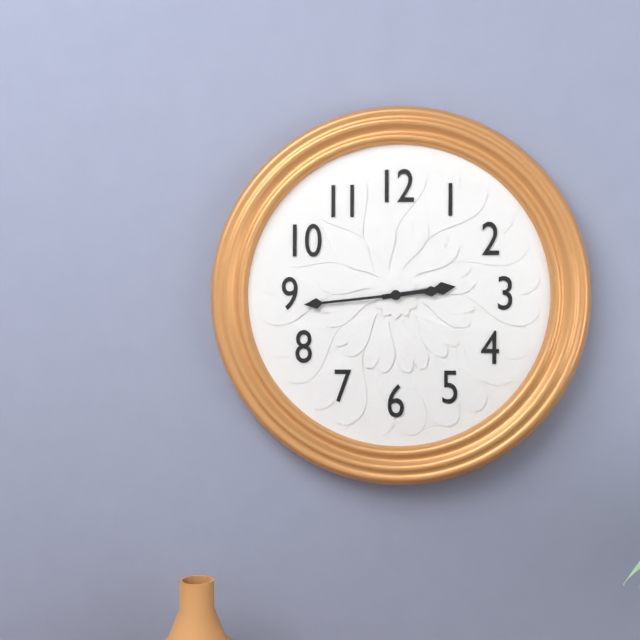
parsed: **2:44**
